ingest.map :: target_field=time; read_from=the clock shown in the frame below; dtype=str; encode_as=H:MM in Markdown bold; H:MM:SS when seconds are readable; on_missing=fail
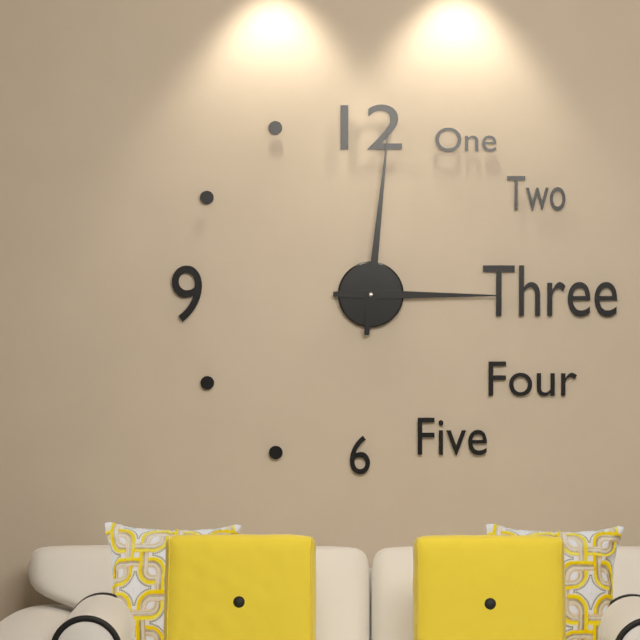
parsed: **3:01**
